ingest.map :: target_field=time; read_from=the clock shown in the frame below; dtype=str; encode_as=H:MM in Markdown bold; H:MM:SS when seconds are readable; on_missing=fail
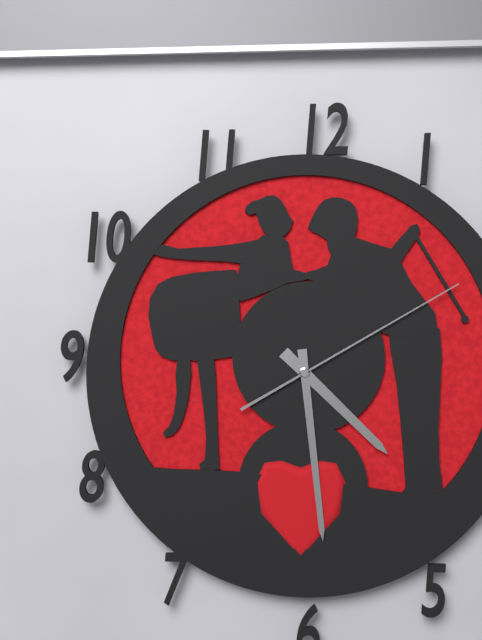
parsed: **4:29:10**
